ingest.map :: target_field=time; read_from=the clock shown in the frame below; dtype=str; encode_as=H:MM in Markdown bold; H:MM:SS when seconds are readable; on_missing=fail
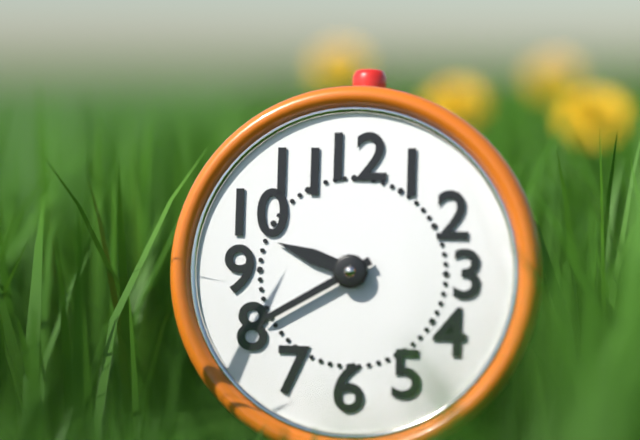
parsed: **9:40**
